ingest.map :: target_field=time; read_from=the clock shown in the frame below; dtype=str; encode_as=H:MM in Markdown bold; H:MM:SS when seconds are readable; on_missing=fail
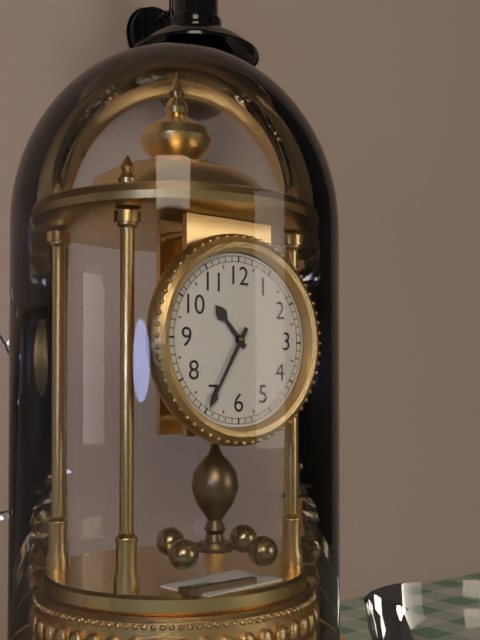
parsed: **10:35**
